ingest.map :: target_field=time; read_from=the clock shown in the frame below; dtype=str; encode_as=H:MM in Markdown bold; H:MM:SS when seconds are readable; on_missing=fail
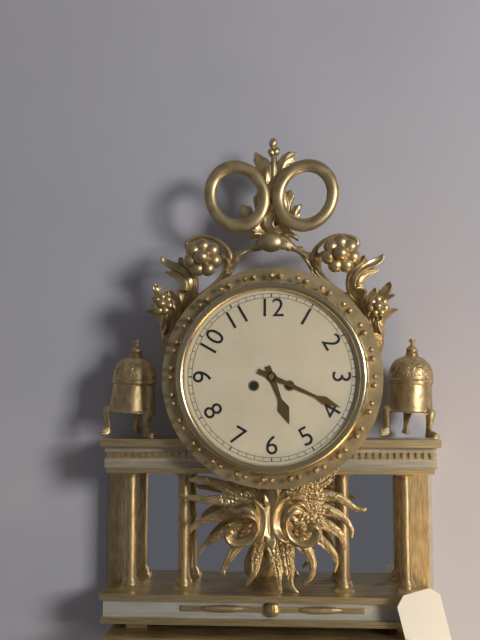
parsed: **5:19**
